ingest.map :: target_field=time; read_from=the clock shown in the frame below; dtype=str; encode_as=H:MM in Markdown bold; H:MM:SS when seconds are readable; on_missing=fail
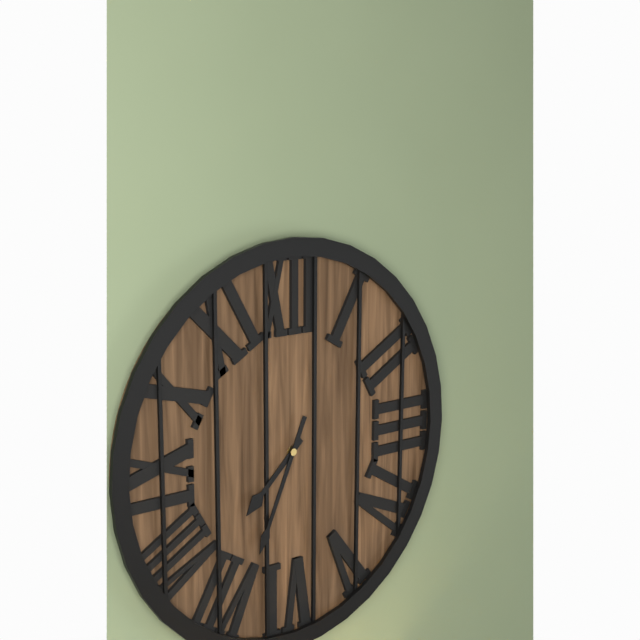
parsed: **7:34**
